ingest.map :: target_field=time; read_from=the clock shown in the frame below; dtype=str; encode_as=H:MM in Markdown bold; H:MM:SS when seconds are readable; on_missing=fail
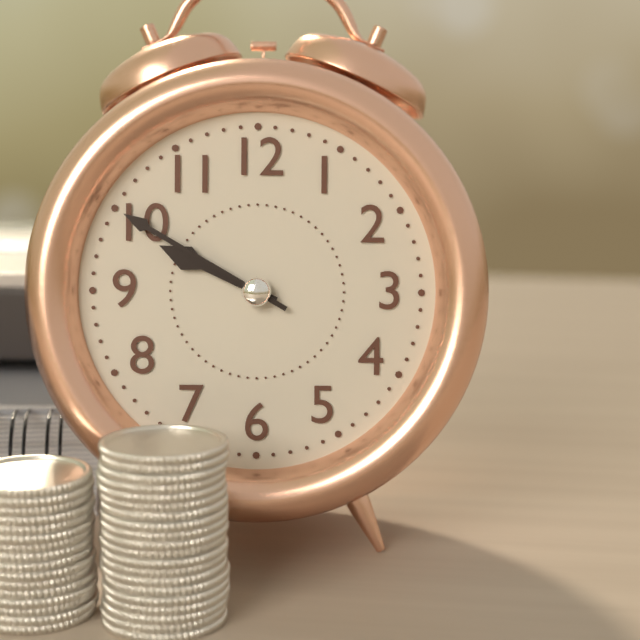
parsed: **9:50**
